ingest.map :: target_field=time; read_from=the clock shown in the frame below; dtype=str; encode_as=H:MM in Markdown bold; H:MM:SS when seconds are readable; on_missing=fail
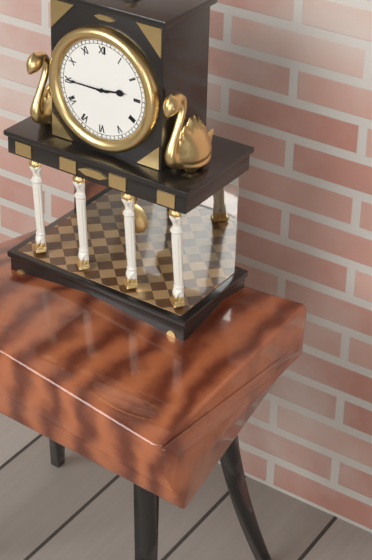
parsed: **2:45**
